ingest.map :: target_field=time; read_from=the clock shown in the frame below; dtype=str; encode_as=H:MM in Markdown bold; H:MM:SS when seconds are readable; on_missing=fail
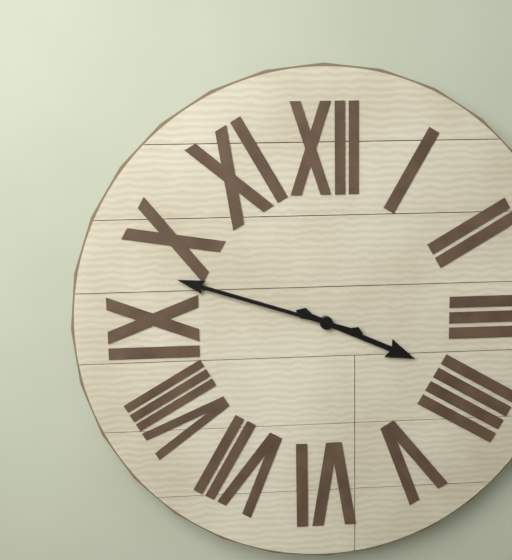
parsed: **3:48**
